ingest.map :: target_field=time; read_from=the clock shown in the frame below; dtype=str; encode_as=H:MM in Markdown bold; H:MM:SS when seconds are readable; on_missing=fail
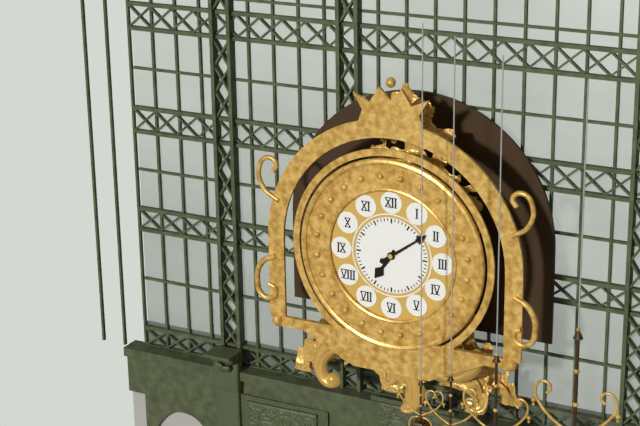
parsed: **7:09**
